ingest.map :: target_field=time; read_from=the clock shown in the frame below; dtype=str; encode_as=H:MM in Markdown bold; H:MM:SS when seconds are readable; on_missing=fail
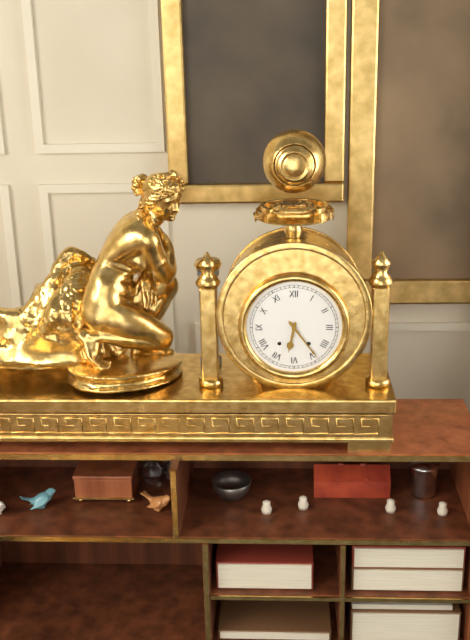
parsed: **6:24**
